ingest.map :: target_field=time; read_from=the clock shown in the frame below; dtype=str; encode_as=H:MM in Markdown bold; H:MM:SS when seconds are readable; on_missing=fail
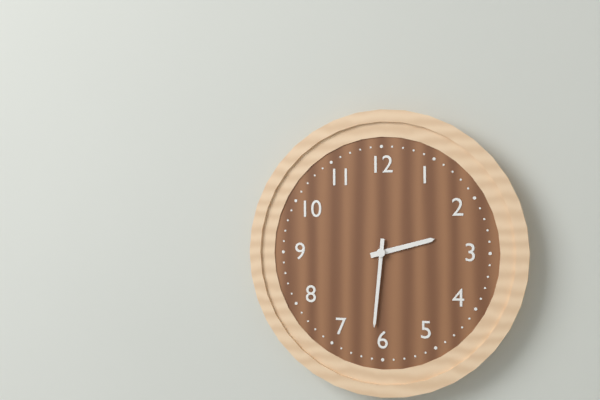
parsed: **2:31**
